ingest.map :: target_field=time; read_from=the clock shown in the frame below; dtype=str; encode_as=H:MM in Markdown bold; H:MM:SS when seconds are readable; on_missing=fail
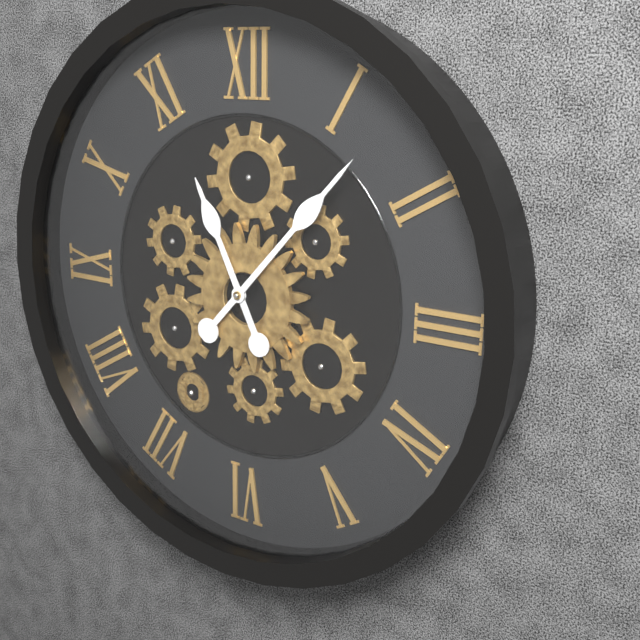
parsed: **11:07**
